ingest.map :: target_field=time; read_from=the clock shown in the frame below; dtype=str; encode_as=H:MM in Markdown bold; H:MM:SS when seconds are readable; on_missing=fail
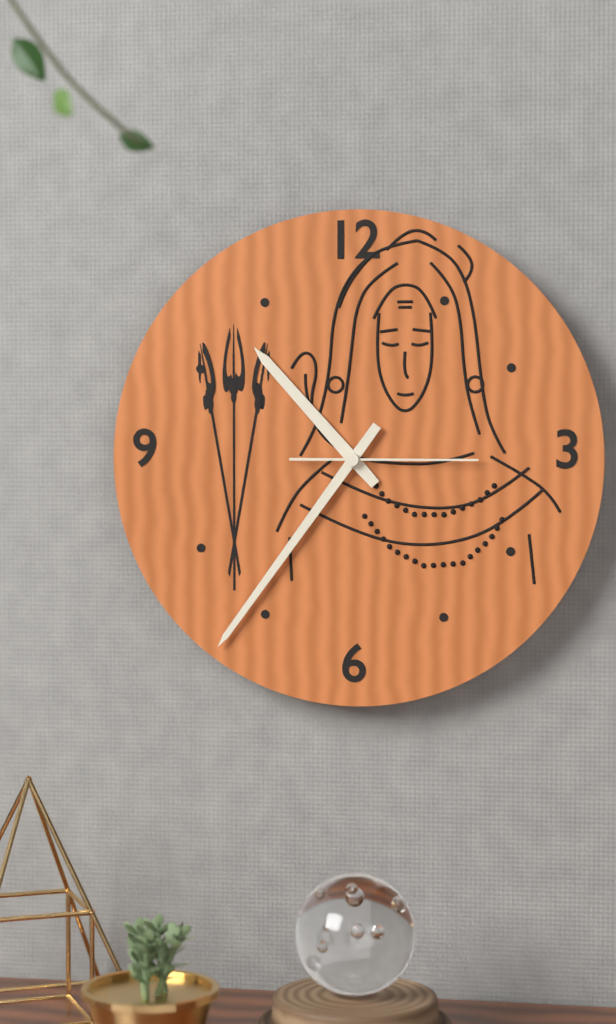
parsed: **10:36:15**
